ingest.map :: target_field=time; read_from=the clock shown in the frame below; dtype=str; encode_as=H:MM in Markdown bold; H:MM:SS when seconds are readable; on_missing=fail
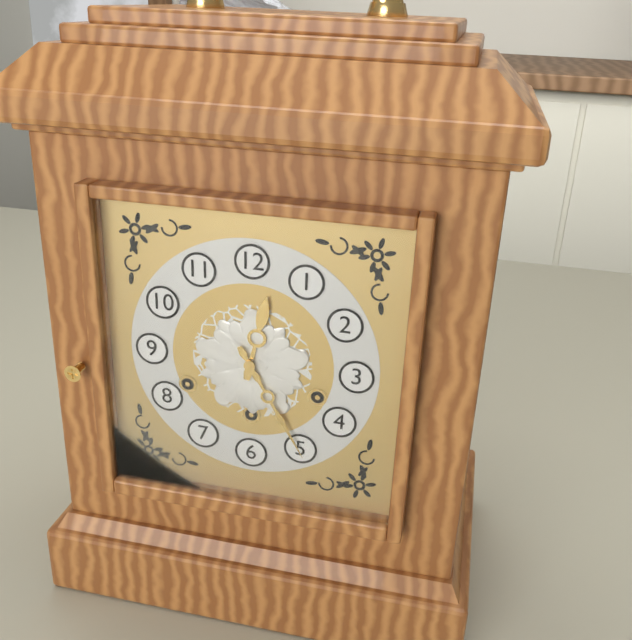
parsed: **12:25**
